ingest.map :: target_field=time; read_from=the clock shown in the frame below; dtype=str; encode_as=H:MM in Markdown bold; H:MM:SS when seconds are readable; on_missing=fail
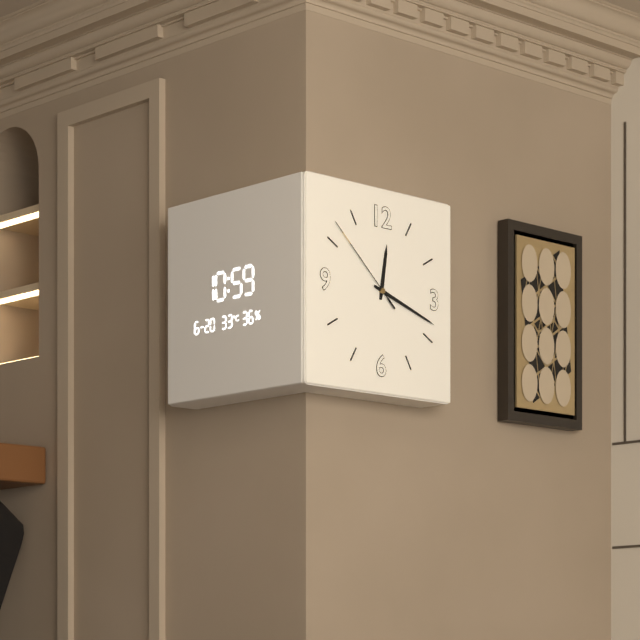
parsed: **12:18:52**
